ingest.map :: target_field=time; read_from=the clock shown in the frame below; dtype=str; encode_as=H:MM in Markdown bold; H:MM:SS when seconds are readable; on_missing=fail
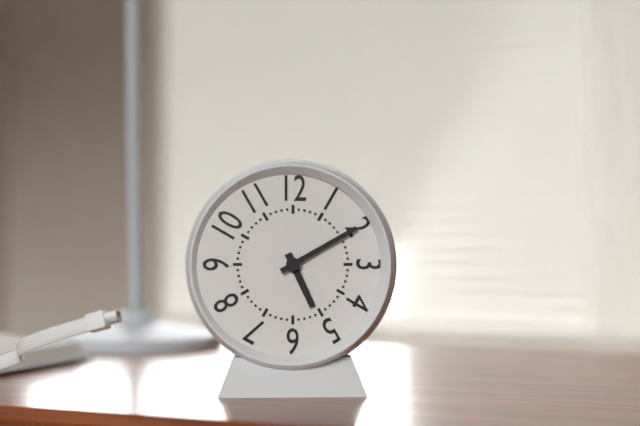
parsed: **5:10**
